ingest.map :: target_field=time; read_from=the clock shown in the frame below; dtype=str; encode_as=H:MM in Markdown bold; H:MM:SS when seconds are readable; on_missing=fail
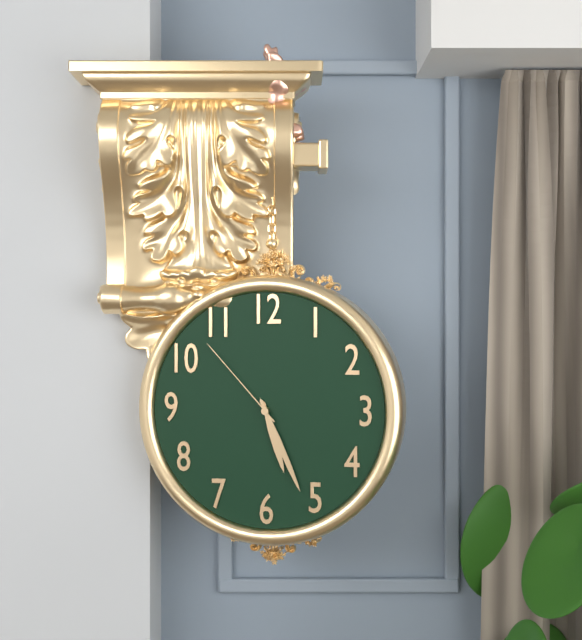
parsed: **5:26:53**
